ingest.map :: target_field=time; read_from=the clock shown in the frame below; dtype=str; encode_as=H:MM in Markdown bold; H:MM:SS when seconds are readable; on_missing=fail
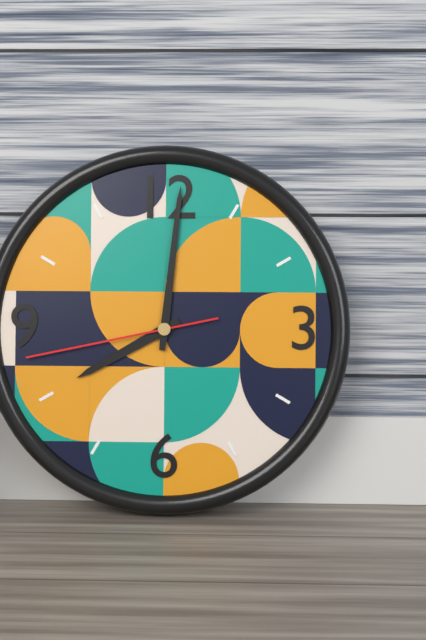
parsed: **8:01:43**
